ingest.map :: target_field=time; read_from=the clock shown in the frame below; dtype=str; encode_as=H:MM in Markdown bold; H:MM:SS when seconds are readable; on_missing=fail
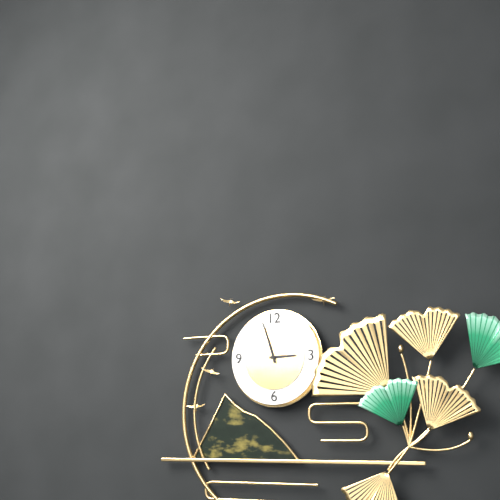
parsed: **2:57**
